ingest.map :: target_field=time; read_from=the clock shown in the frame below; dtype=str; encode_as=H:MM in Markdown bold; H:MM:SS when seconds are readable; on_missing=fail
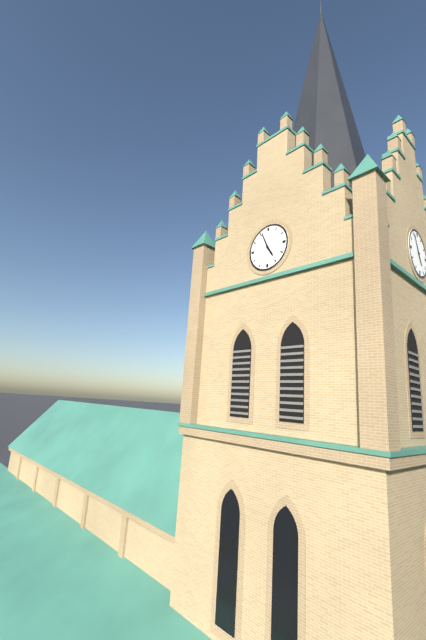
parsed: **4:56**
